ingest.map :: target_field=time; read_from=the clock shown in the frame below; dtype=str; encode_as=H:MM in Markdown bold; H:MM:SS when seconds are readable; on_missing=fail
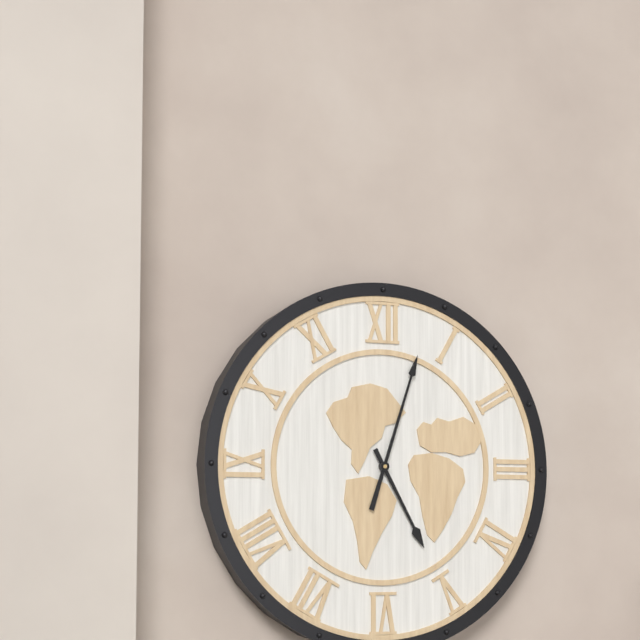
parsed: **5:03**
